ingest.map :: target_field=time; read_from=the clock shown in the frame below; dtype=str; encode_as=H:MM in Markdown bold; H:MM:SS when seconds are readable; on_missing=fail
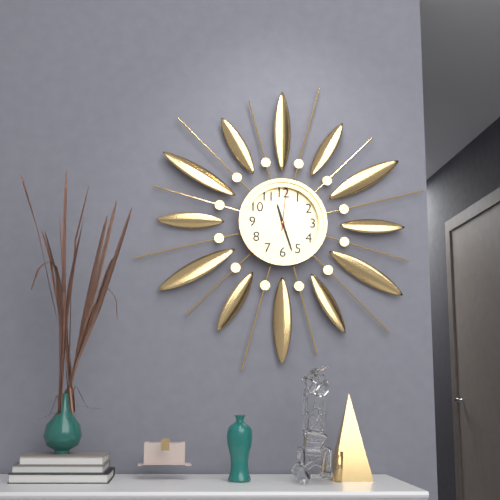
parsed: **11:27**
